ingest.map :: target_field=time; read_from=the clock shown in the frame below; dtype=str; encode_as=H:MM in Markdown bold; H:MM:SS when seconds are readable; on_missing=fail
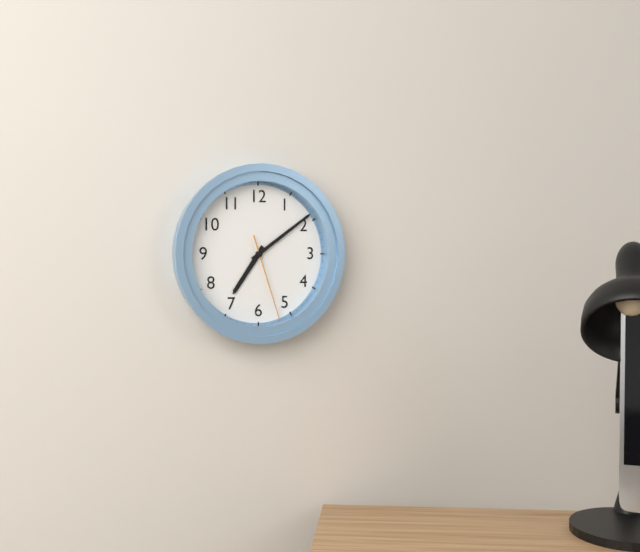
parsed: **7:09:27**
